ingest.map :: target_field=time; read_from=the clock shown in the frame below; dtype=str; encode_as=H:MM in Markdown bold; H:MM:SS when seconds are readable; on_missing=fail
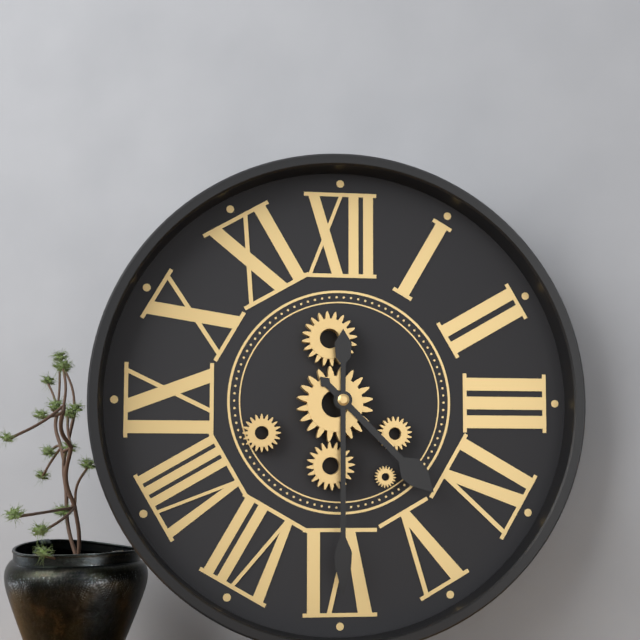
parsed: **4:30**
